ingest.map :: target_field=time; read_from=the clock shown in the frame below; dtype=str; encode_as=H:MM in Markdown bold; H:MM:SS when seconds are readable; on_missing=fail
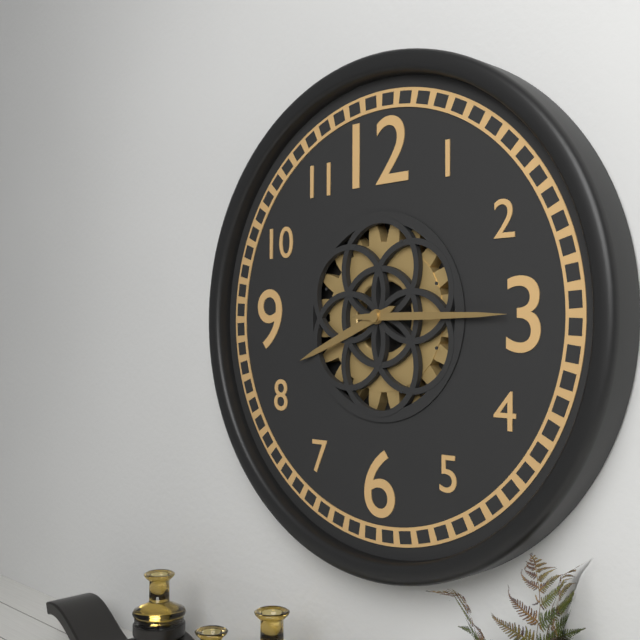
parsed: **8:15**
